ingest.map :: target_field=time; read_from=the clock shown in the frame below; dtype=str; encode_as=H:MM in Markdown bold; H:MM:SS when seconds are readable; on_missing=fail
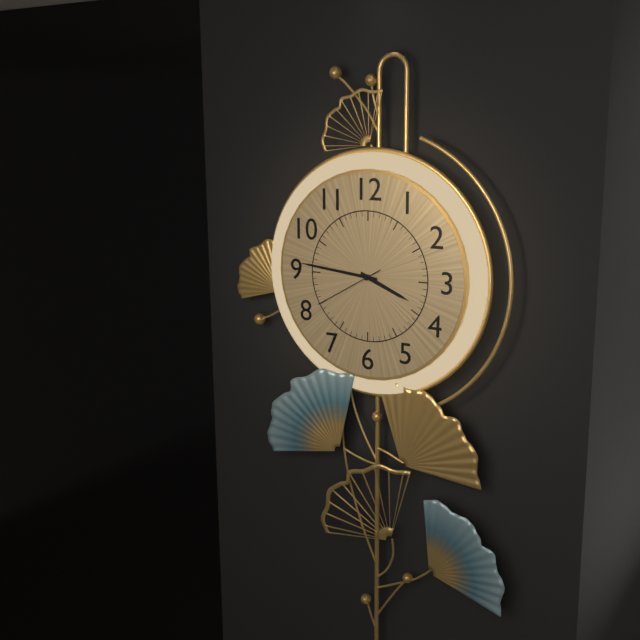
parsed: **3:46:40**
